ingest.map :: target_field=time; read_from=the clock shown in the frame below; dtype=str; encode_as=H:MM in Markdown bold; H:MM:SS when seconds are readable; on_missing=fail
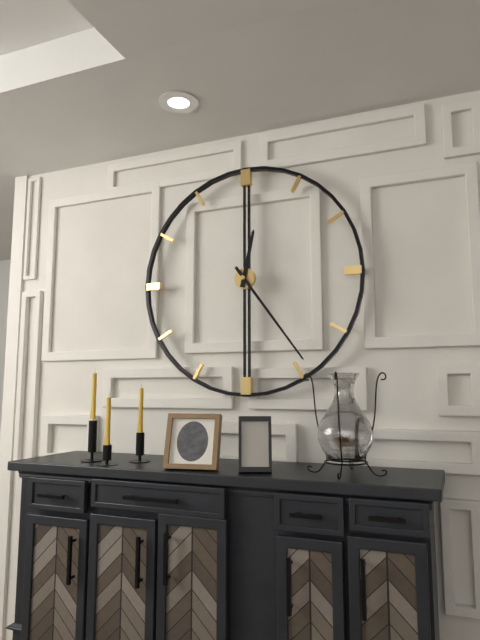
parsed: **12:24**
